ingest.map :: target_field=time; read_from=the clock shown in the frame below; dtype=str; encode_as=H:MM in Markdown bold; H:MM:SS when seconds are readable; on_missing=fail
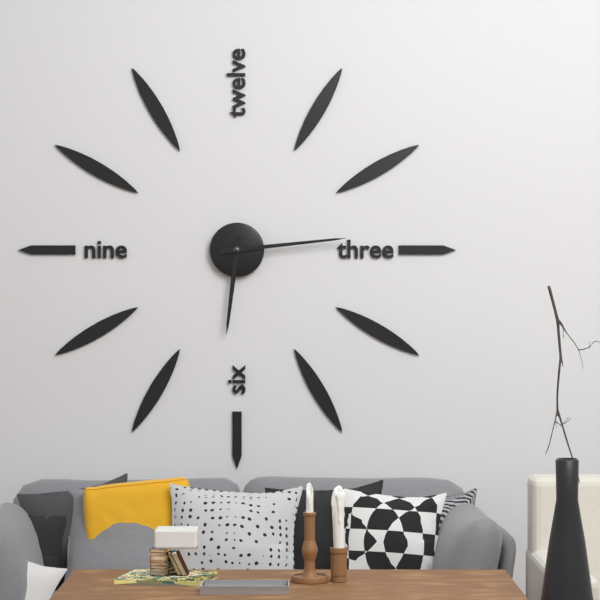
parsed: **6:14**
